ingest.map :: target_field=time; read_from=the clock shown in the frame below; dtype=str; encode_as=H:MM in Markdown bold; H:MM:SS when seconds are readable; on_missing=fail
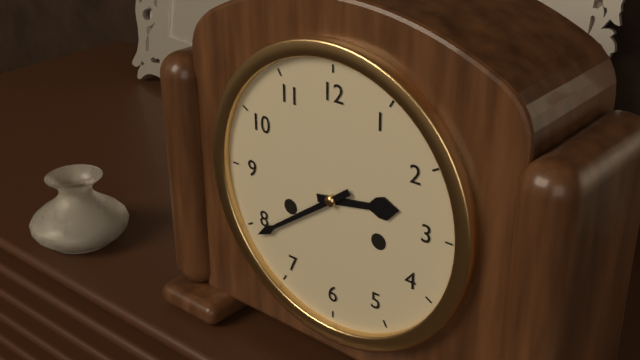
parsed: **2:39**
